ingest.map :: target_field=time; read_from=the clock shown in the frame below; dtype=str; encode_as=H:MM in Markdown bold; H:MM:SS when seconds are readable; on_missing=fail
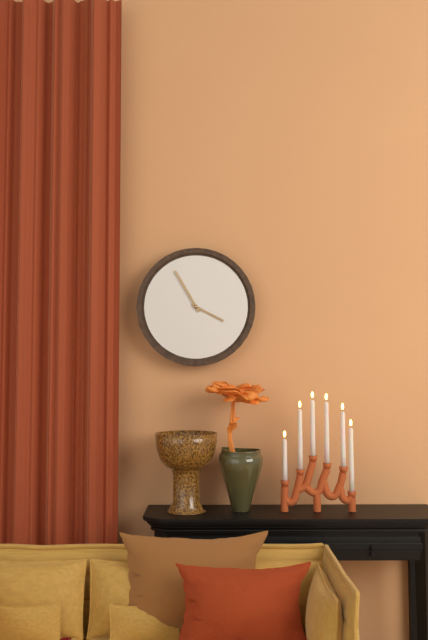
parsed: **3:55**
